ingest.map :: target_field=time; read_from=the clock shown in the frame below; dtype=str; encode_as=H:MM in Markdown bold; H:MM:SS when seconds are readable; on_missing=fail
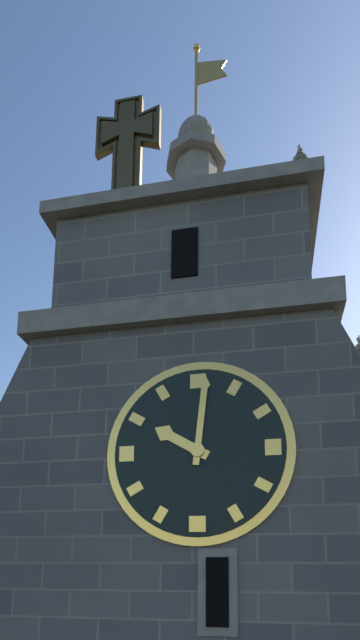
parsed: **10:01**
